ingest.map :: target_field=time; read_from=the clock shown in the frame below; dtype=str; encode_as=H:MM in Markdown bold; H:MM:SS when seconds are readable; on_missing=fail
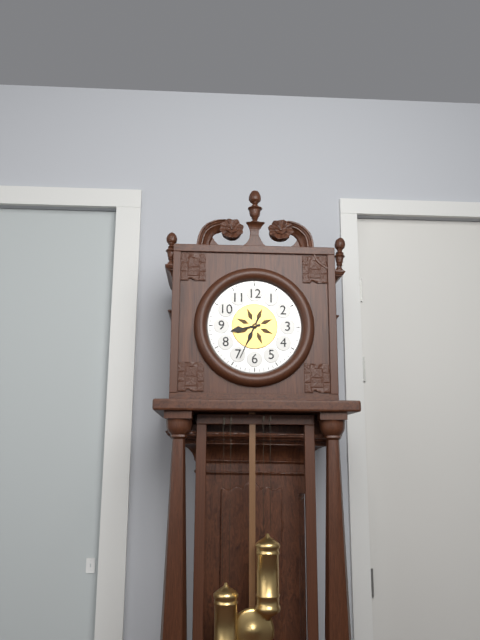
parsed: **8:34**
